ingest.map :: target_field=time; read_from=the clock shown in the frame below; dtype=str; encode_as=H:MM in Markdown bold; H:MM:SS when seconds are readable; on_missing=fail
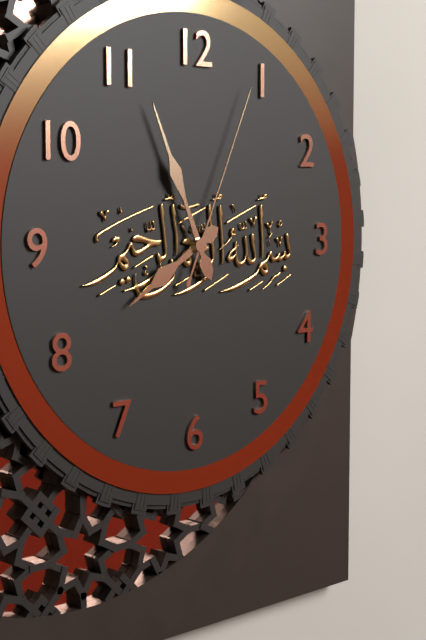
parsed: **7:56:04**
